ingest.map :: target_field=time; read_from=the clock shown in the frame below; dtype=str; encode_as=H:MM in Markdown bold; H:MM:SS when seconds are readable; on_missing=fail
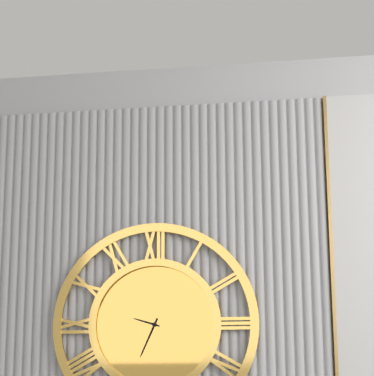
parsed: **9:34**
